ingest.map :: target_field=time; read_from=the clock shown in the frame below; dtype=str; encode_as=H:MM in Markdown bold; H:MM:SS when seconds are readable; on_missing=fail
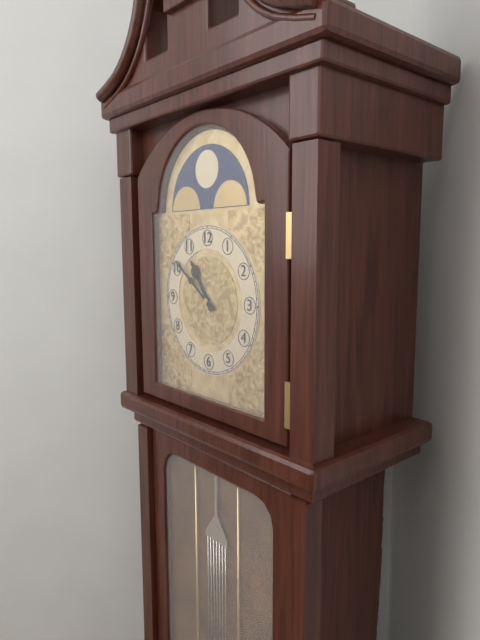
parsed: **10:51**
